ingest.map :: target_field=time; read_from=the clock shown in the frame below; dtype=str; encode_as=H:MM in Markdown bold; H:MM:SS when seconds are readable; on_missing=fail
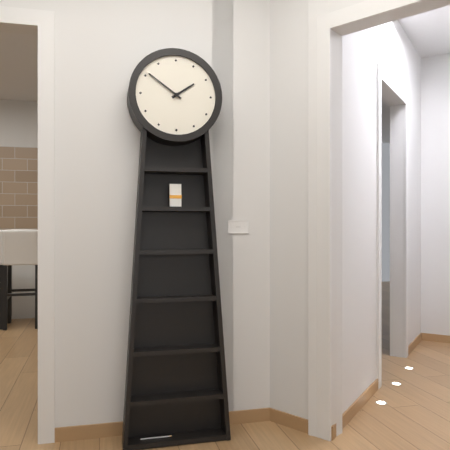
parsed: **1:51**
